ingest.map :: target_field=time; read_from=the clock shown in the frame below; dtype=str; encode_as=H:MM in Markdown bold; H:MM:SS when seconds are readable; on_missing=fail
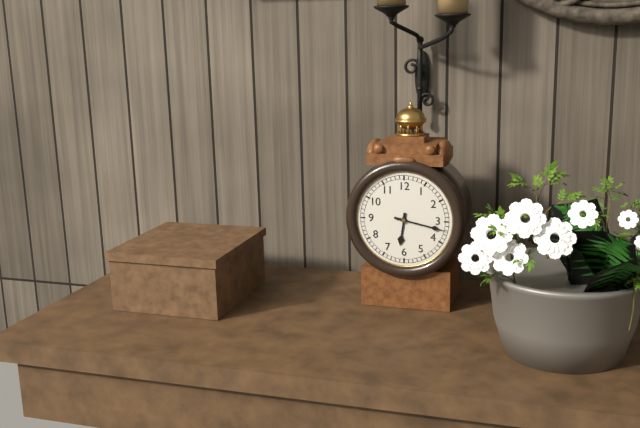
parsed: **6:17**
